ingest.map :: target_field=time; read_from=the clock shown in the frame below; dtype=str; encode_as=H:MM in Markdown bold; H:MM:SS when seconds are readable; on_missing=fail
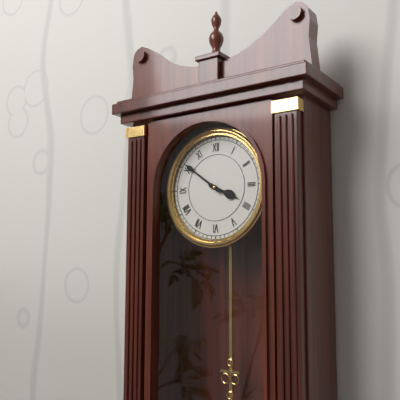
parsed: **3:51**
